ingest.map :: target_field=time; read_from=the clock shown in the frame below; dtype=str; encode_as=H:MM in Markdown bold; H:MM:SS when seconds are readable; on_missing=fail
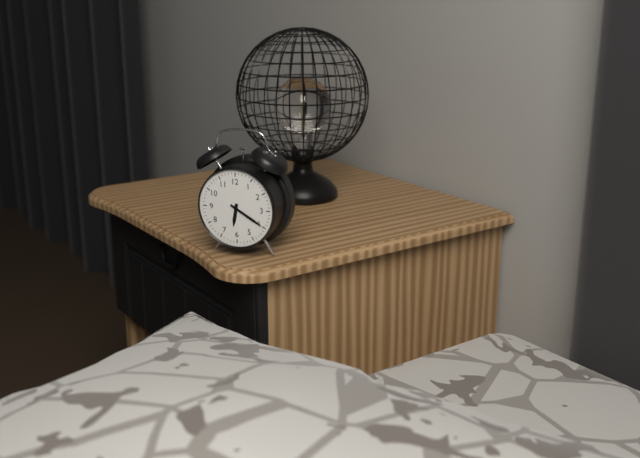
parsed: **6:20**
